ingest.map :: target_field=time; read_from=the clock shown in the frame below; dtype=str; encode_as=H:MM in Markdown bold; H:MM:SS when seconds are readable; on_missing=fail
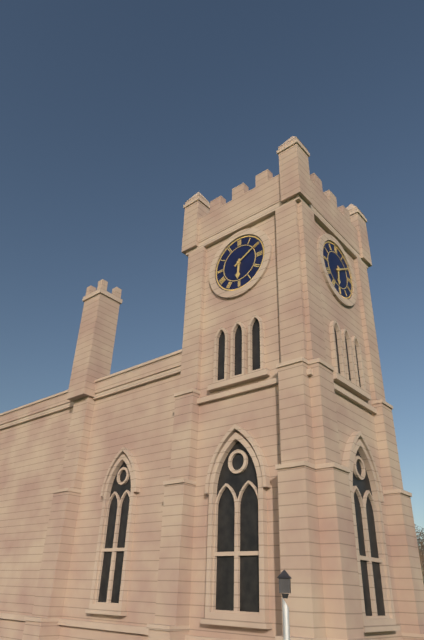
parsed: **6:10**
